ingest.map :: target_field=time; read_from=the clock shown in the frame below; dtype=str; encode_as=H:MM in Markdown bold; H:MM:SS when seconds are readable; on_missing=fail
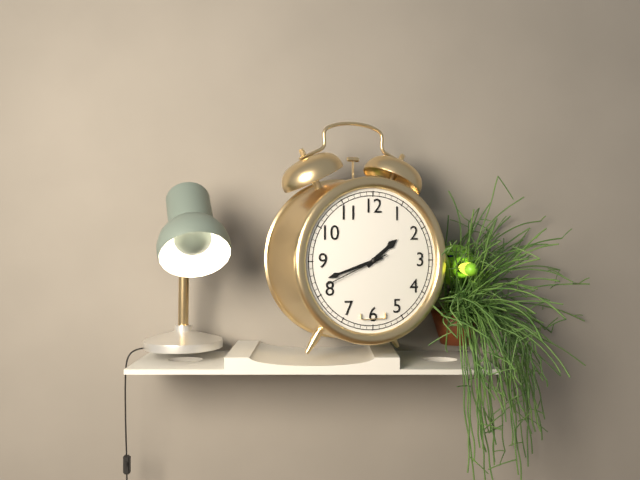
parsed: **1:42:41**
